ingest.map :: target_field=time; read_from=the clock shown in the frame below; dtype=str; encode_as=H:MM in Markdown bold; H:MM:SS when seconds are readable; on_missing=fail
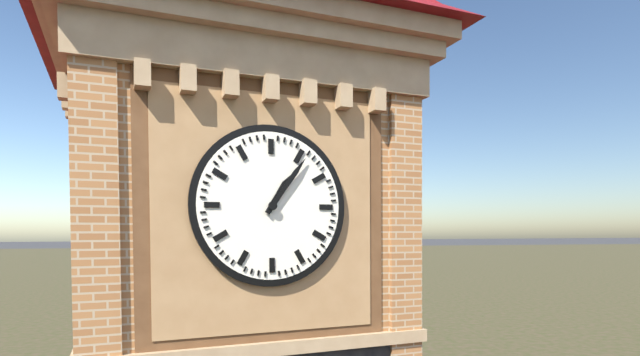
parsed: **1:06**
